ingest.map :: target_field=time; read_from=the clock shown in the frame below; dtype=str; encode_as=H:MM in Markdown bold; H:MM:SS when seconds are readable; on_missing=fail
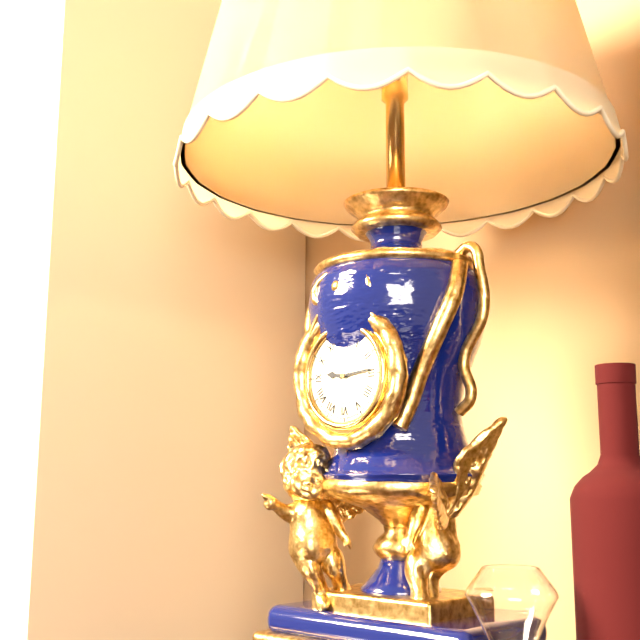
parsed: **9:14**
